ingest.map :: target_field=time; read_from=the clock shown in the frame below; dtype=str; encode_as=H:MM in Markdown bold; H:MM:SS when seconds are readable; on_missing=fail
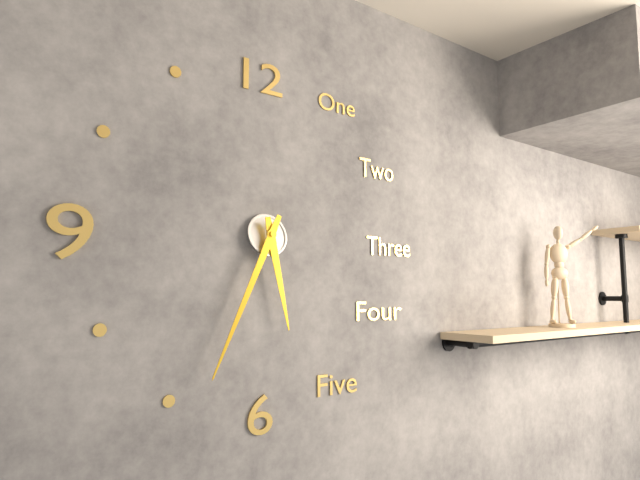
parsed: **5:34**
